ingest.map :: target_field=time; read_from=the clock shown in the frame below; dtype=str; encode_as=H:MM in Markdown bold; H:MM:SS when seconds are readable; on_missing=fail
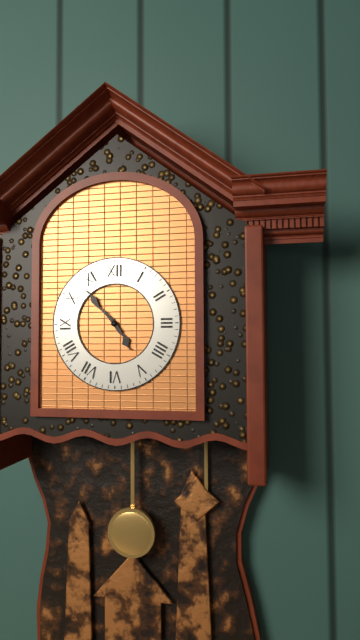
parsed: **4:53**
